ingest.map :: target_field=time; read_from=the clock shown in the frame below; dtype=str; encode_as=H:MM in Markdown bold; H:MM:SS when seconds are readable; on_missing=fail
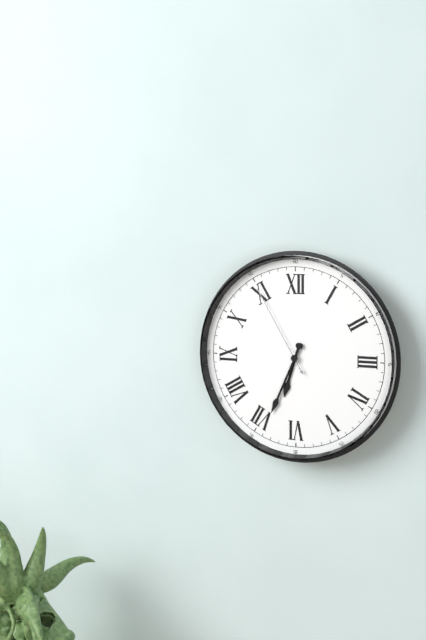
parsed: **6:34:55**
